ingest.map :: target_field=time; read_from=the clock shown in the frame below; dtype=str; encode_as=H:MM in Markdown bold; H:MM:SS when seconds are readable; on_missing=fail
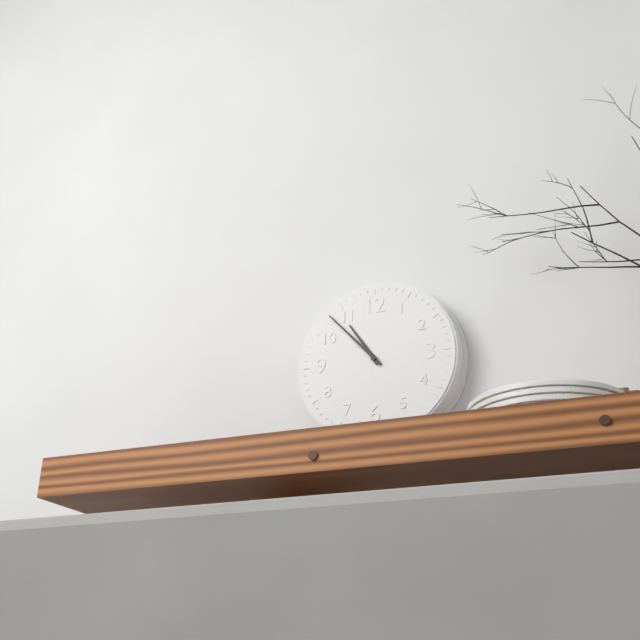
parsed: **10:53**
